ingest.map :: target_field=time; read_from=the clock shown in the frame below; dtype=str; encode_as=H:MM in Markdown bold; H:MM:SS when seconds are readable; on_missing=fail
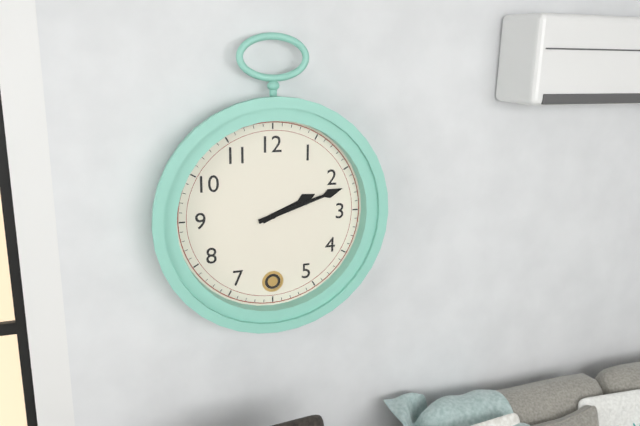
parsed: **2:12**
